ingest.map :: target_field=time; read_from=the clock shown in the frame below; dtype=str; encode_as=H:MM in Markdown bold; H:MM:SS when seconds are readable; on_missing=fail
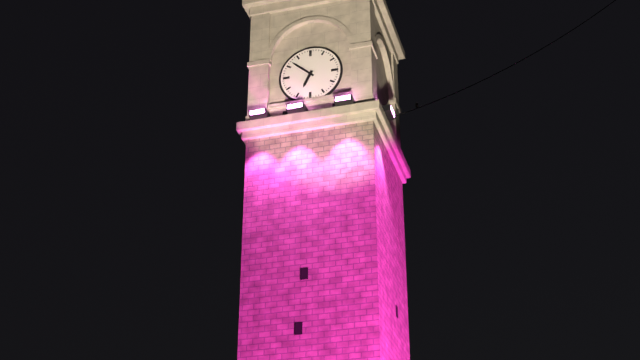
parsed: **6:52**
